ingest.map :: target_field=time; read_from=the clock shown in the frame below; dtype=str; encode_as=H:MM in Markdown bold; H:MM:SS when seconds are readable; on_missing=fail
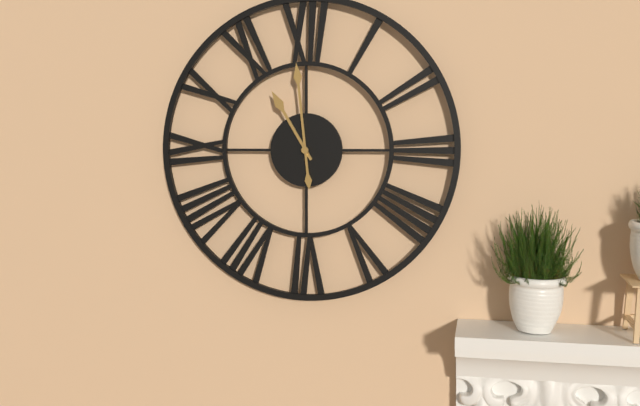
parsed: **10:59**
